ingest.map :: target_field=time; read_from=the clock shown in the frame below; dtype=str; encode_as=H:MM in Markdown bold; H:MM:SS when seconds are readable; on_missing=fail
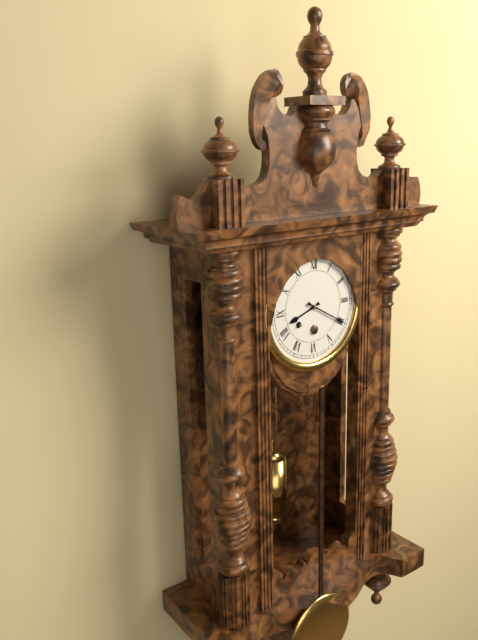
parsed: **8:20**
